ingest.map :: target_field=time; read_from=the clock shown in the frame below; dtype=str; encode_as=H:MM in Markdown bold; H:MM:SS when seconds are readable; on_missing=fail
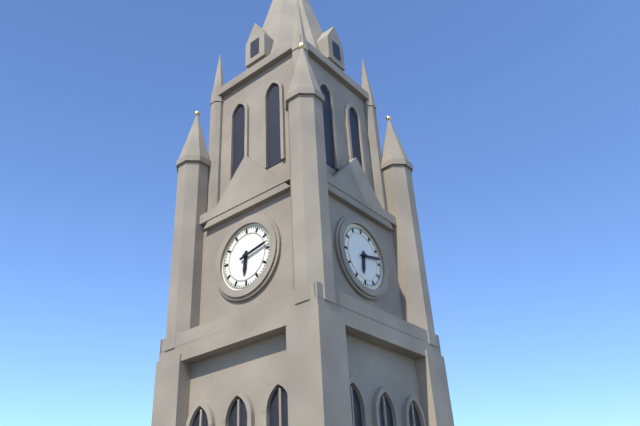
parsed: **6:13**
